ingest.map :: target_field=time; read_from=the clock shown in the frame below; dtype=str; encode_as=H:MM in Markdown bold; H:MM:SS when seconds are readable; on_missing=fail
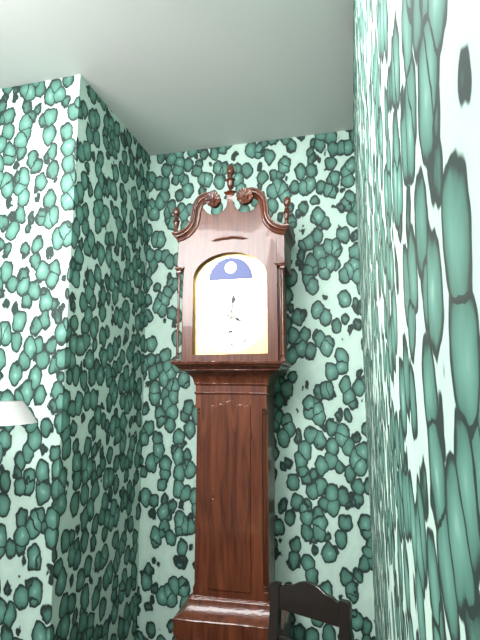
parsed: **12:19**
